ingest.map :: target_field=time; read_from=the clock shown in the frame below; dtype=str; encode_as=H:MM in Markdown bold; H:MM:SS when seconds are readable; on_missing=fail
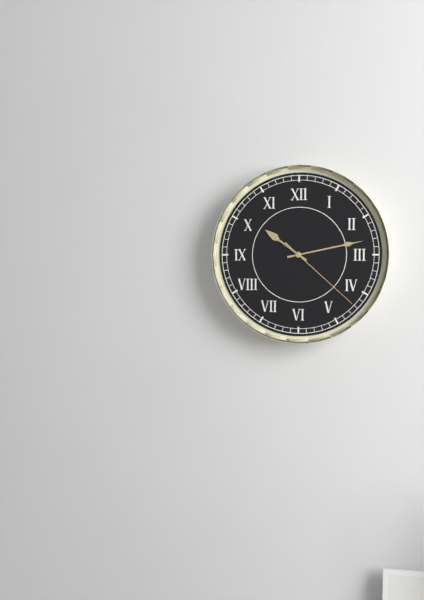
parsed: **10:13:22**
